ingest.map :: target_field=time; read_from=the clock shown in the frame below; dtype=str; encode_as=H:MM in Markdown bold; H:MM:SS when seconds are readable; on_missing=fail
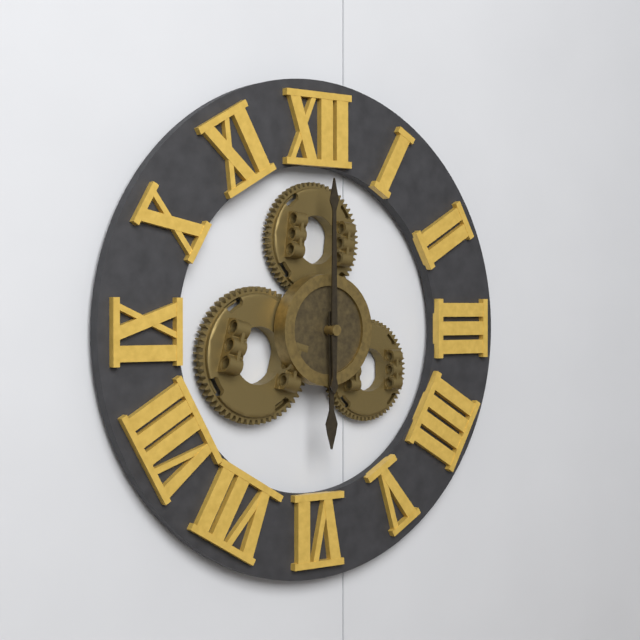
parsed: **6:00**
